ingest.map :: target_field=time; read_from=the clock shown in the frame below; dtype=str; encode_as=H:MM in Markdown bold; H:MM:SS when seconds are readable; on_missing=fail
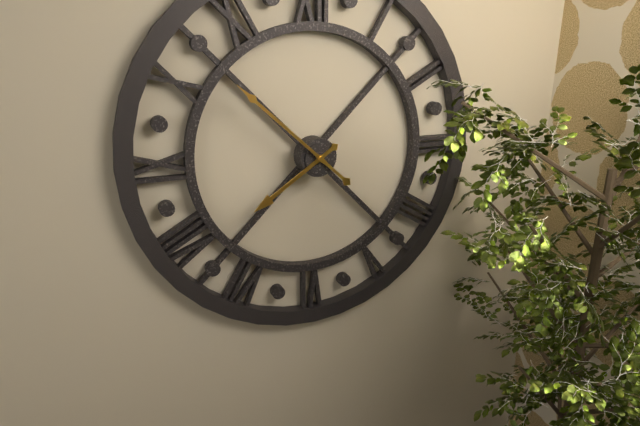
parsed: **7:52**
